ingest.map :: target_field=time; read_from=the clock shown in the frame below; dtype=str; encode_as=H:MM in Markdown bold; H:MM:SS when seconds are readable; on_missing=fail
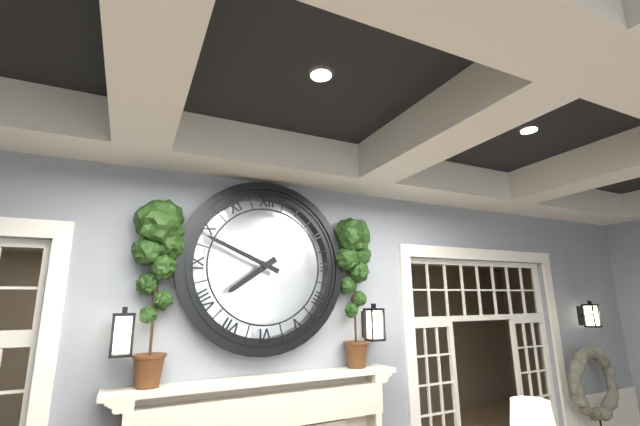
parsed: **7:49**
